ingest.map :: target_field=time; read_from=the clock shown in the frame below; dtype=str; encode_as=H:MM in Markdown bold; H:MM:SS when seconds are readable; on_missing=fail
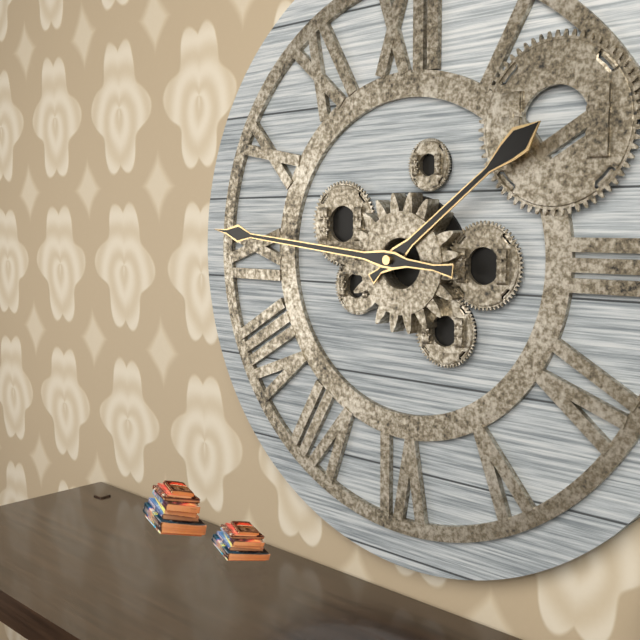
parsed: **1:46**
